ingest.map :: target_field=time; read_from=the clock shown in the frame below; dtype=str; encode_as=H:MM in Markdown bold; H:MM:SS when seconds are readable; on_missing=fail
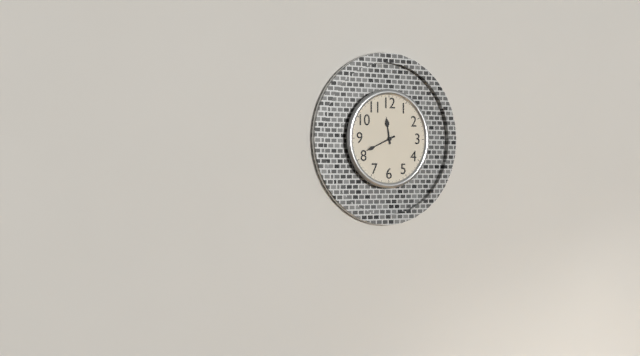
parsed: **11:41**
